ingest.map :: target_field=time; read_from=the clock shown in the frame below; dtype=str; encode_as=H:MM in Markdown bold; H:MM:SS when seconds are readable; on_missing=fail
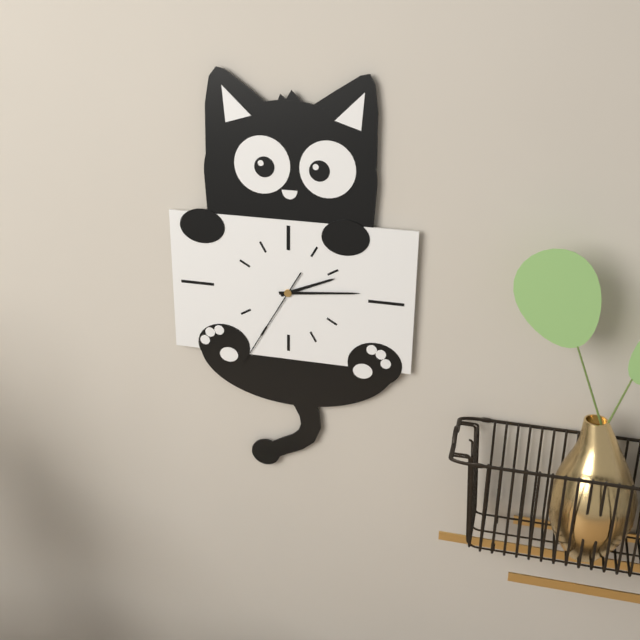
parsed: **2:14:35**
